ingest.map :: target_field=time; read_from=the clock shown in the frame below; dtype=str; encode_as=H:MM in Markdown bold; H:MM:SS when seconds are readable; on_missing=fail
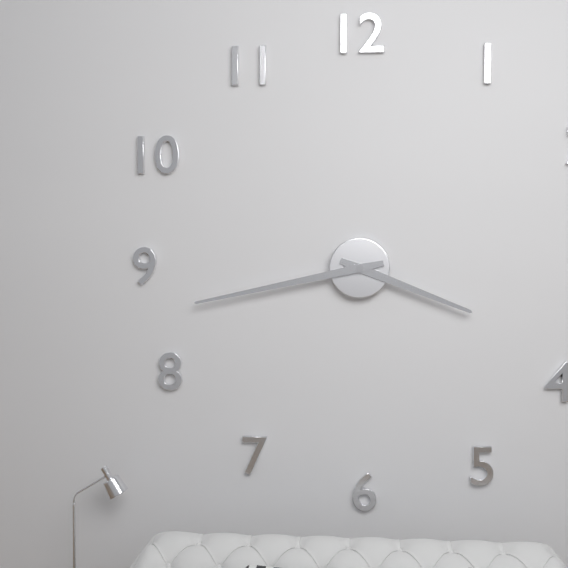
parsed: **3:43**
